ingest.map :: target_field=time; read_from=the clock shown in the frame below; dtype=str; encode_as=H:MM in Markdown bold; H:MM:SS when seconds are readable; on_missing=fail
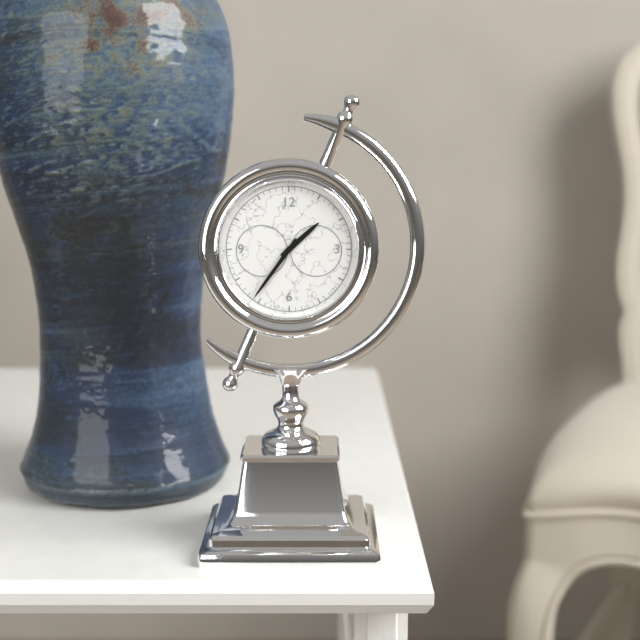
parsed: **1:36**
